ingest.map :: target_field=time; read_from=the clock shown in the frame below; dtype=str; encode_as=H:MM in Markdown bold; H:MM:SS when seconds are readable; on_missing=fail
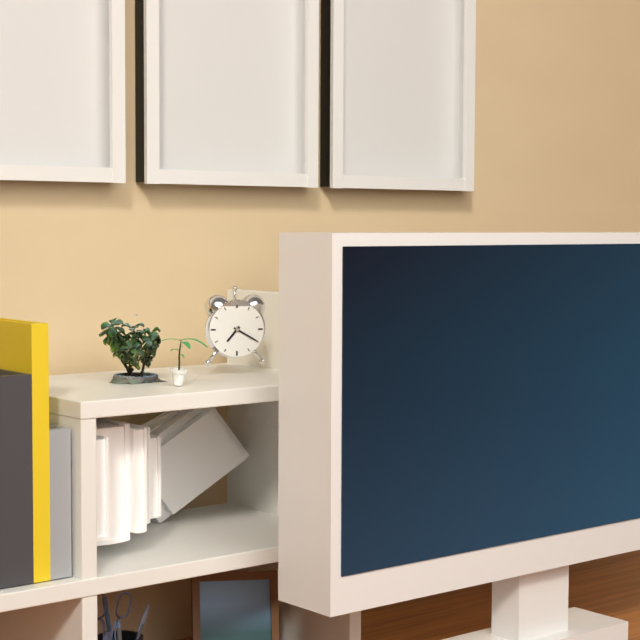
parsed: **7:20**
